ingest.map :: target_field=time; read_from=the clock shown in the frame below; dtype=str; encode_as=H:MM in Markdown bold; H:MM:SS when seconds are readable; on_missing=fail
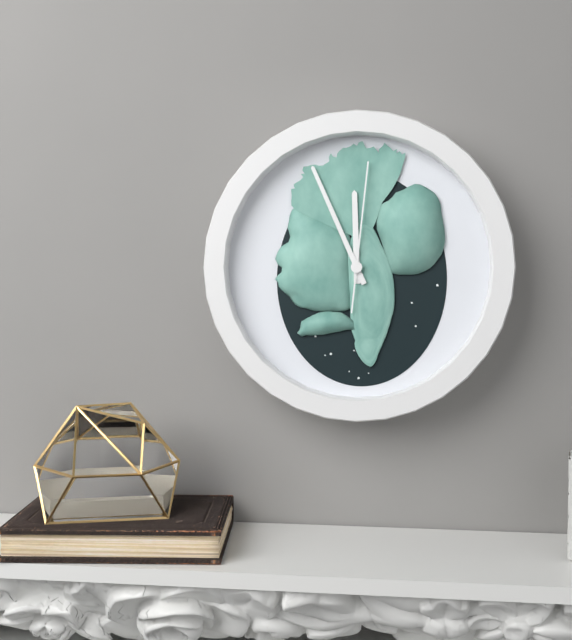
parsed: **11:56:01**
